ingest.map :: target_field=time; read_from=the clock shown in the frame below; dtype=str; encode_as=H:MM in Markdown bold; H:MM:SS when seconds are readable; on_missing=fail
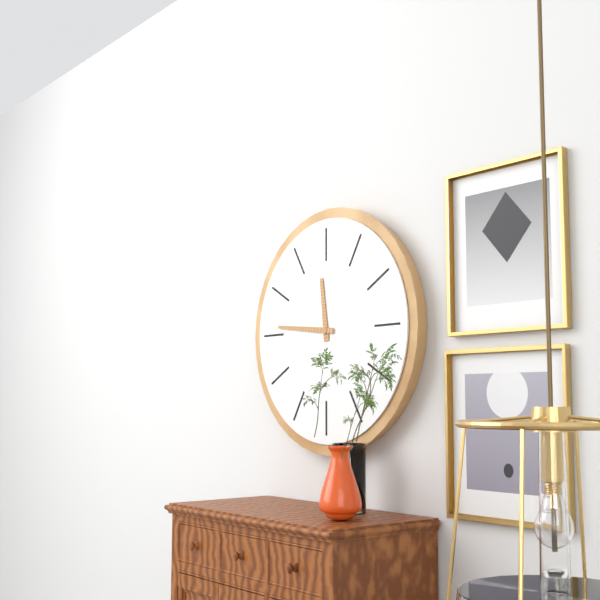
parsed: **11:46**
